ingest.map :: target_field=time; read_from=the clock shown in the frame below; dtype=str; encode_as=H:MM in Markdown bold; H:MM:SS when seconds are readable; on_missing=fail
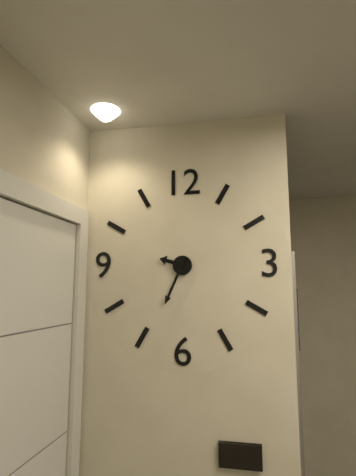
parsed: **9:34**
